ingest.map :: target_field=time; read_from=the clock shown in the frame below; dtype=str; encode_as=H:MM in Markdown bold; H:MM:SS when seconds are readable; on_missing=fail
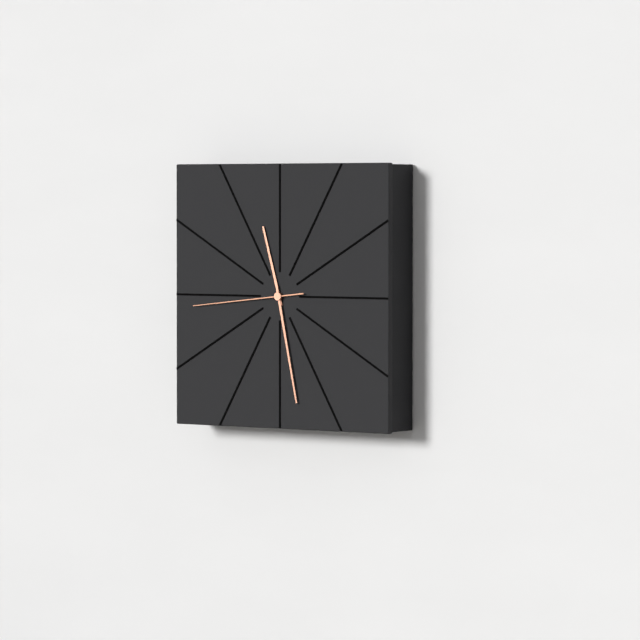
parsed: **11:28:44**
